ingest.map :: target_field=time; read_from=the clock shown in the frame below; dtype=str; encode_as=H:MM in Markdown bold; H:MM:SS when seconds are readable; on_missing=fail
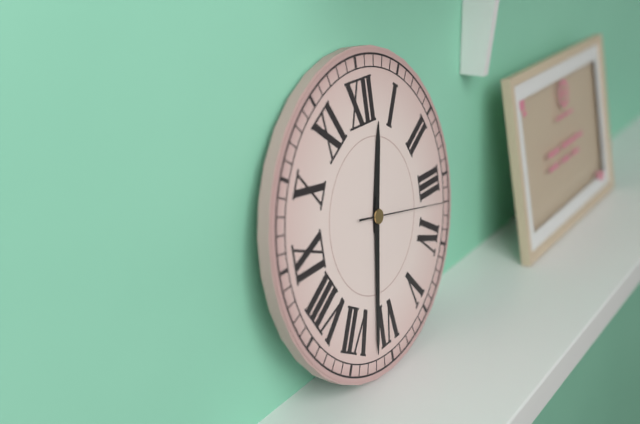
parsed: **12:32:17**
